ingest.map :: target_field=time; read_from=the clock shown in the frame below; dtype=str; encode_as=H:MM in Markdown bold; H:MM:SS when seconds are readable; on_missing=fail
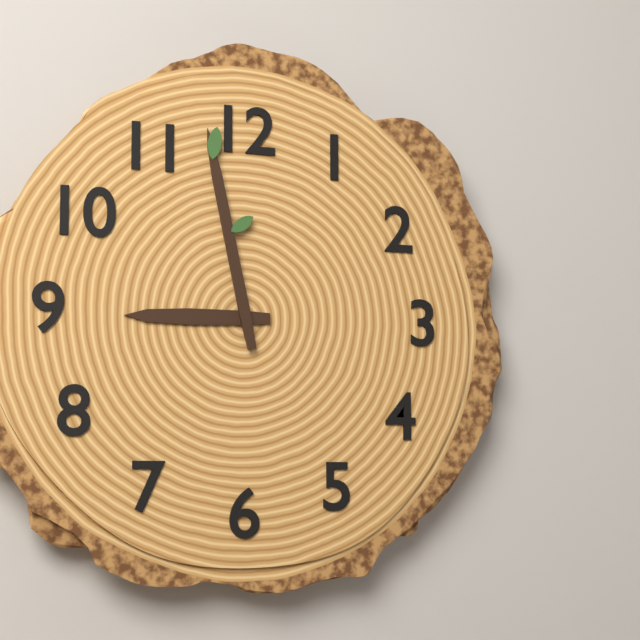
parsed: **8:58**
